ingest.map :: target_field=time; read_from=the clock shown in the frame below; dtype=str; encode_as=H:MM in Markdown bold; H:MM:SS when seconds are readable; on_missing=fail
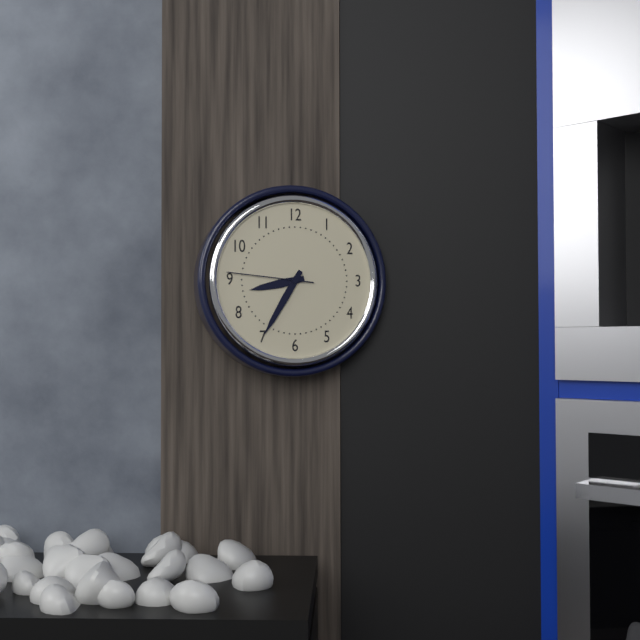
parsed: **8:35:46**
